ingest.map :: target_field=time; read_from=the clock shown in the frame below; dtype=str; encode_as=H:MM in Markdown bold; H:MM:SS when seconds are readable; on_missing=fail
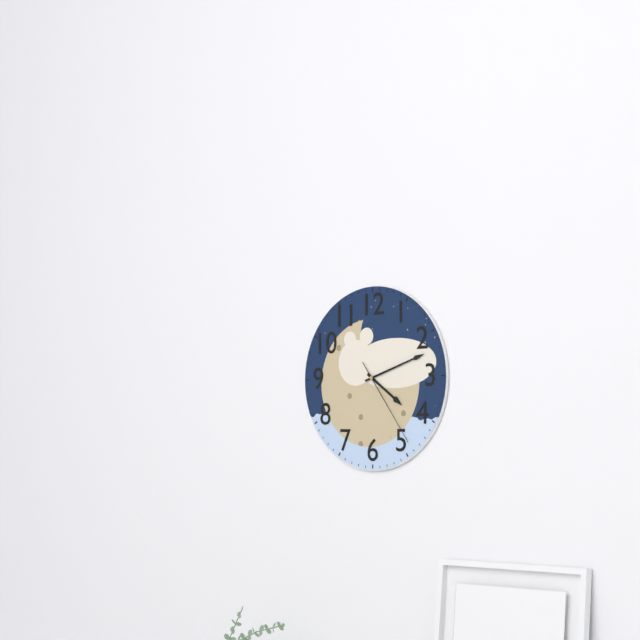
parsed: **4:12:24**
